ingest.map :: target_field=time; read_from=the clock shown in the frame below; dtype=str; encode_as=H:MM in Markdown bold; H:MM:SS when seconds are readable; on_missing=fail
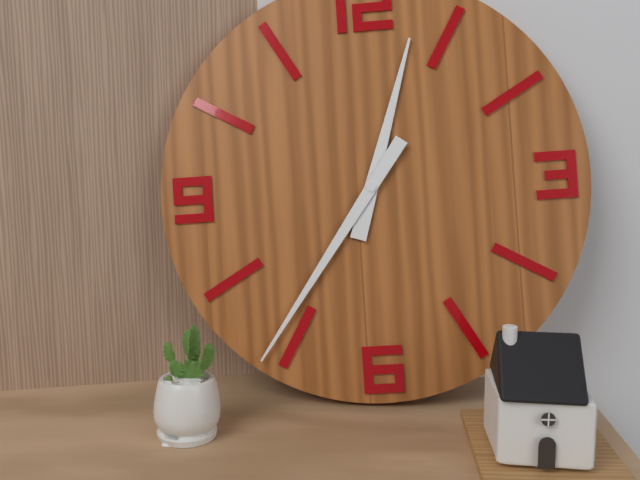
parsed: **12:36**
